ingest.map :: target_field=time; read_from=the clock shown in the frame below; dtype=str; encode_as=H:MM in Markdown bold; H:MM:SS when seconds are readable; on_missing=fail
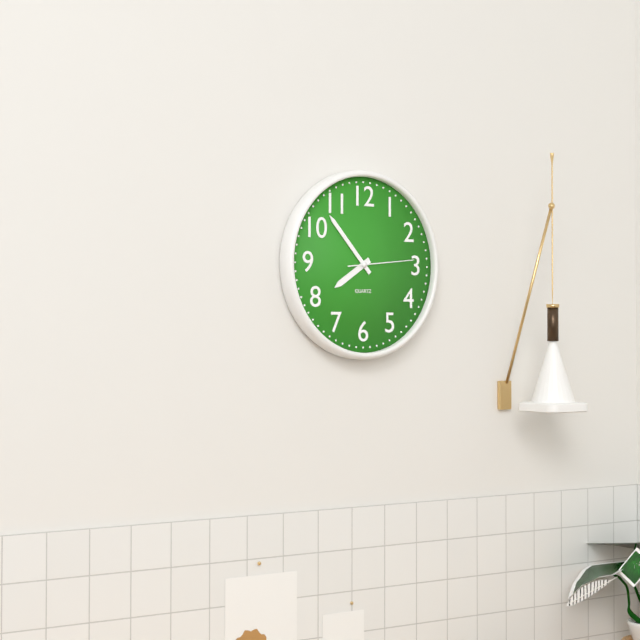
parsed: **7:53:14**
